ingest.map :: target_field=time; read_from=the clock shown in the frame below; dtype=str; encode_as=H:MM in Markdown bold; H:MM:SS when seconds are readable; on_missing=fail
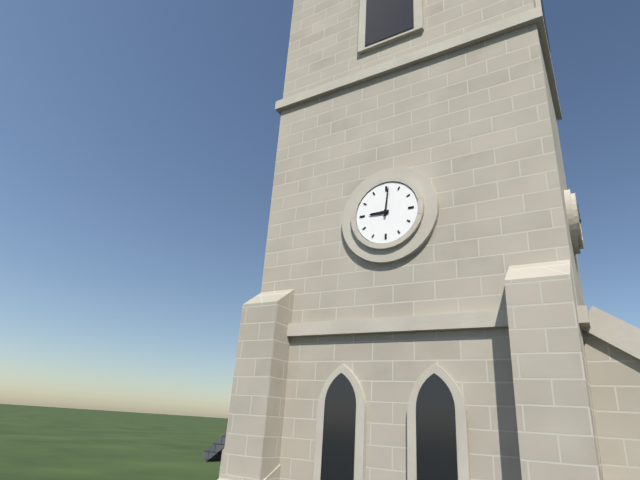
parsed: **9:01**
